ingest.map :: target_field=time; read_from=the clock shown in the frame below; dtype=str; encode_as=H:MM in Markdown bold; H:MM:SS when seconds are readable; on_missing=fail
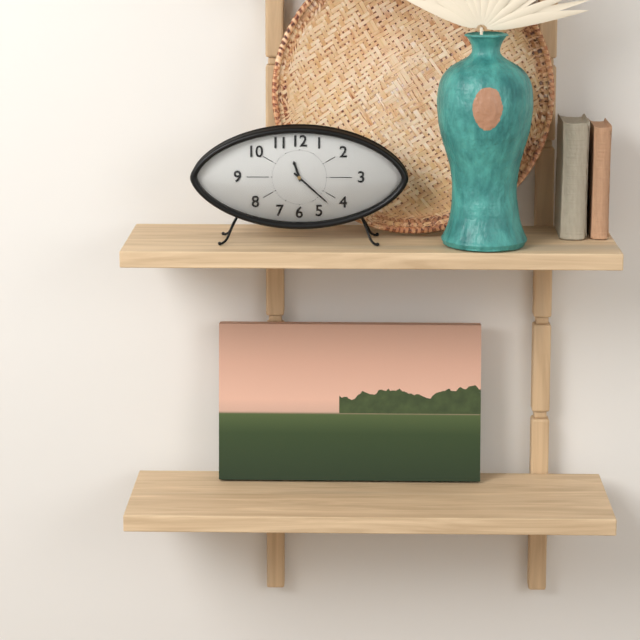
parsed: **11:22**
